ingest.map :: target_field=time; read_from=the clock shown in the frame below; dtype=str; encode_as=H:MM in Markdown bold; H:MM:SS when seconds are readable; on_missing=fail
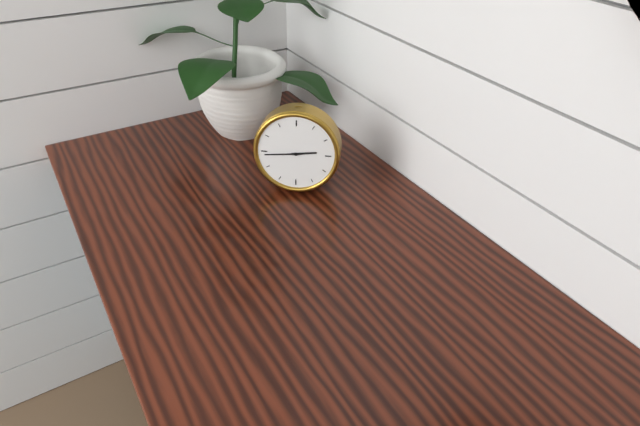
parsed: **2:44**
